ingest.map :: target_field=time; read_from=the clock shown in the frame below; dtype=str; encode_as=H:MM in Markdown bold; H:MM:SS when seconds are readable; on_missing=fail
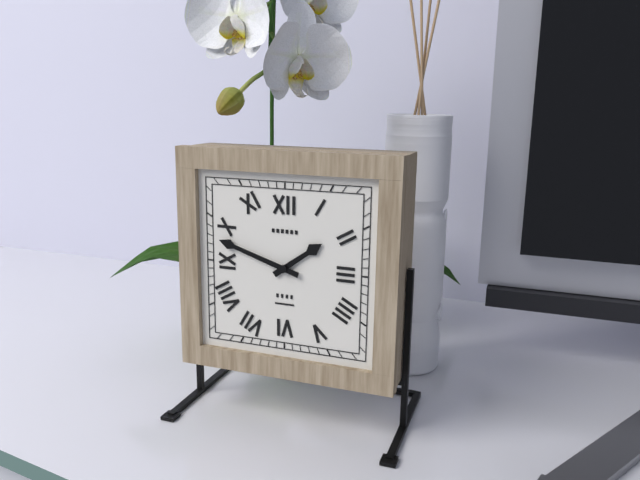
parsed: **1:48**
